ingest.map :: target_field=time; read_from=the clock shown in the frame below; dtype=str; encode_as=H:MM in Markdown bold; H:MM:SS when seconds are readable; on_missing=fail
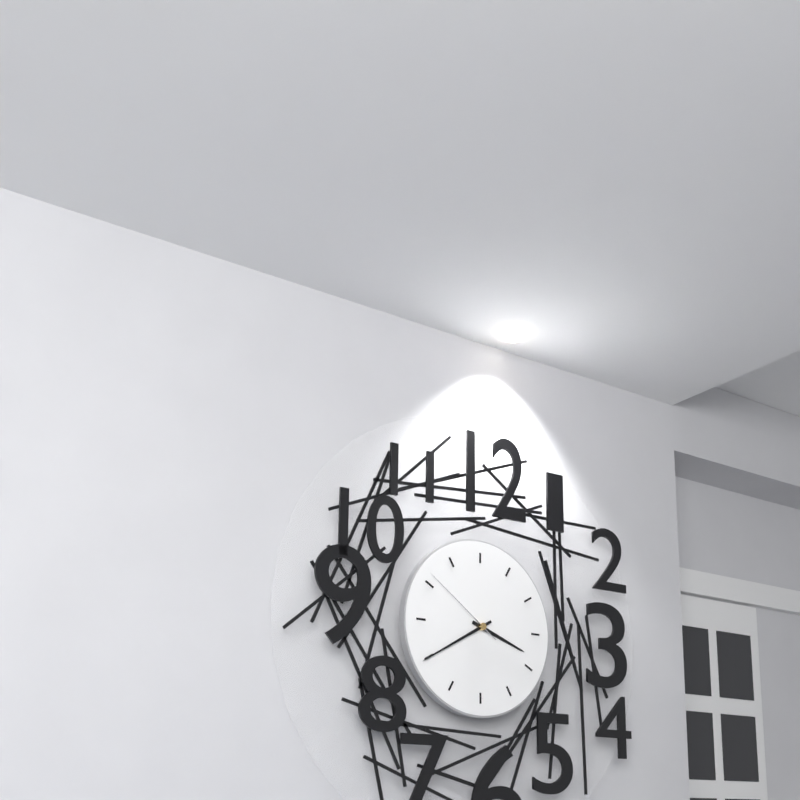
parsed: **3:40:51**
